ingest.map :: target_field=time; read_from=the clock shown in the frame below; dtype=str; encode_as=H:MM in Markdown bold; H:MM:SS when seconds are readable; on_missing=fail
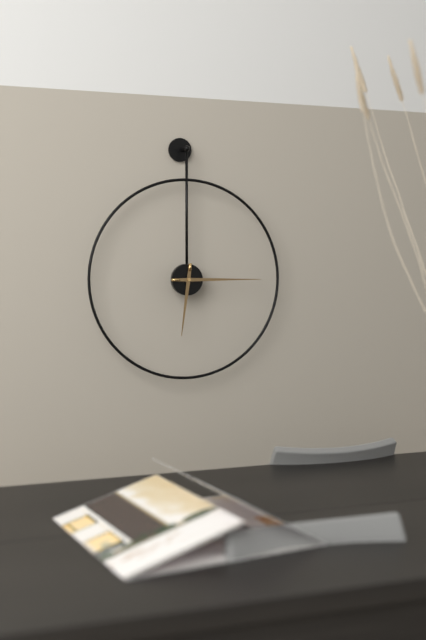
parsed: **6:15**
